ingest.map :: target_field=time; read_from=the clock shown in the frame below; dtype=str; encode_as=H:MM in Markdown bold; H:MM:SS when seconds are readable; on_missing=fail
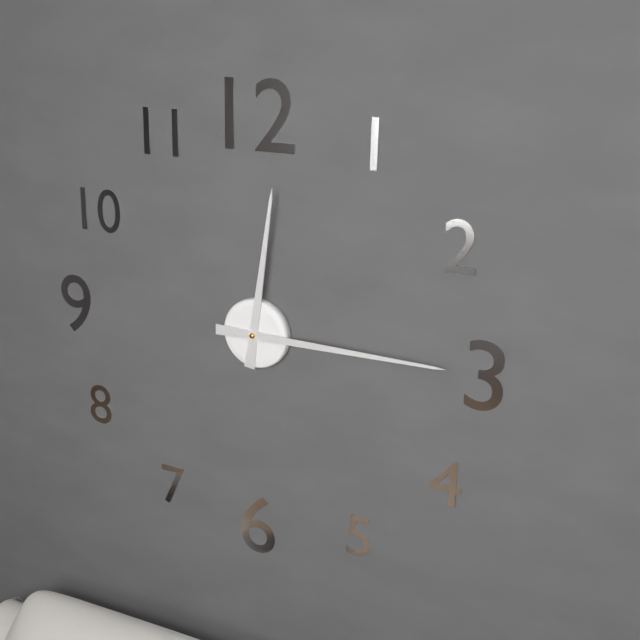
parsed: **12:15**
